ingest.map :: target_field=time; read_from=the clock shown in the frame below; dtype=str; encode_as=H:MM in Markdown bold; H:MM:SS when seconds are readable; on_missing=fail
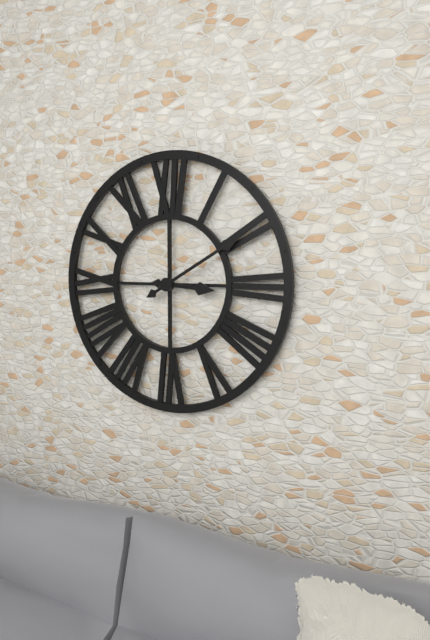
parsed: **3:10**
